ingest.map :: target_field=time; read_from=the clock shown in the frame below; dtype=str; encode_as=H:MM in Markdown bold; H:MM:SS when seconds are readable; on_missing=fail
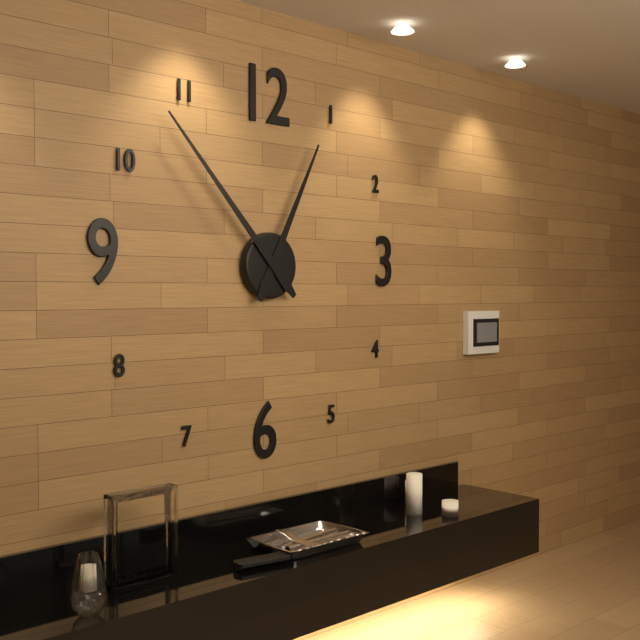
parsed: **12:53**
